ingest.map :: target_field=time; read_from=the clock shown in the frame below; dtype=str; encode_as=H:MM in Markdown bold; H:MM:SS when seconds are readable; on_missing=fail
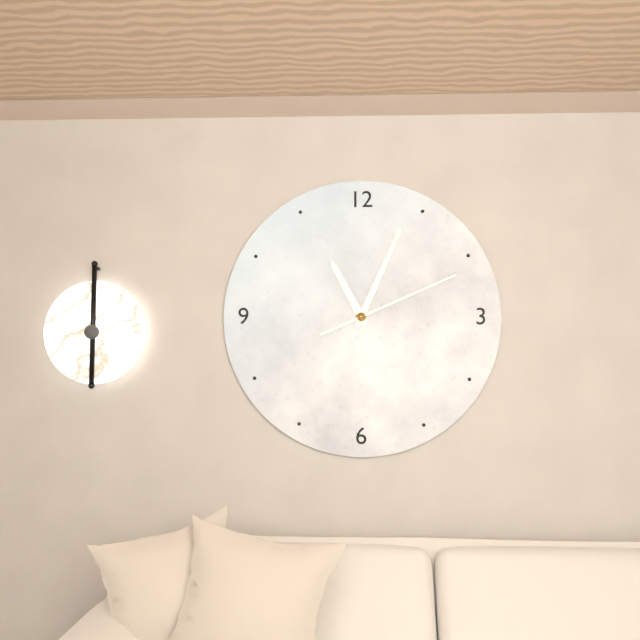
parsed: **11:04:11**
